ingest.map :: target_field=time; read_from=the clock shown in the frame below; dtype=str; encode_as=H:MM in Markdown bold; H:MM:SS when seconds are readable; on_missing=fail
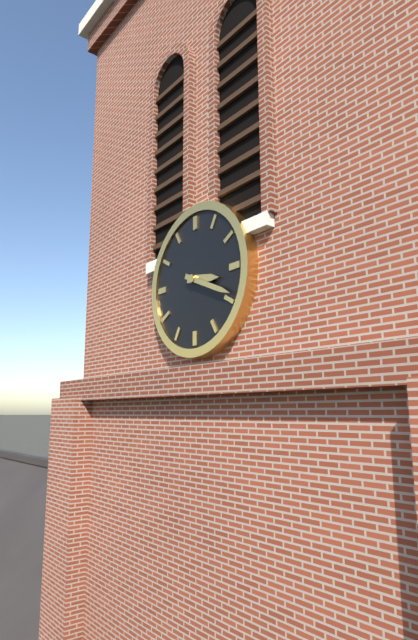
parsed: **3:19**
